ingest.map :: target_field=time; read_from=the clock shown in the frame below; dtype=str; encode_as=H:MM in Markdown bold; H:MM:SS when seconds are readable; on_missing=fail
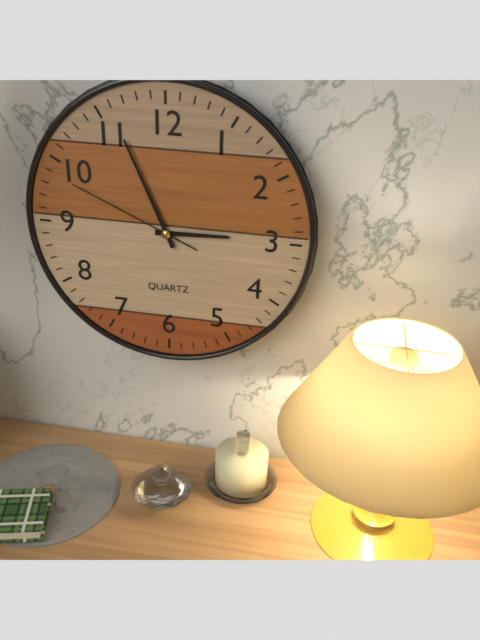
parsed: **2:56:49**
